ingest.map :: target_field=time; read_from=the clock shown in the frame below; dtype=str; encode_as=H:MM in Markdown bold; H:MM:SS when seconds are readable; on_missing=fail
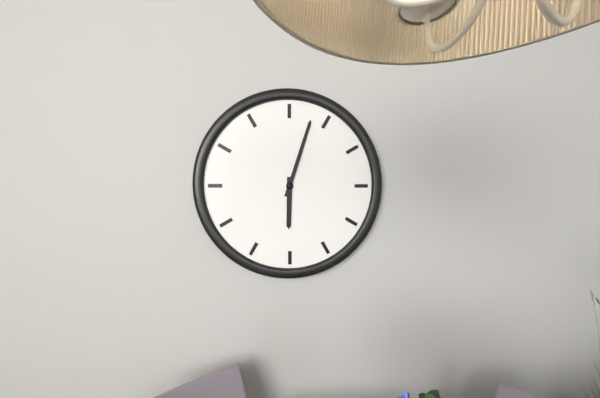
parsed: **6:03**
